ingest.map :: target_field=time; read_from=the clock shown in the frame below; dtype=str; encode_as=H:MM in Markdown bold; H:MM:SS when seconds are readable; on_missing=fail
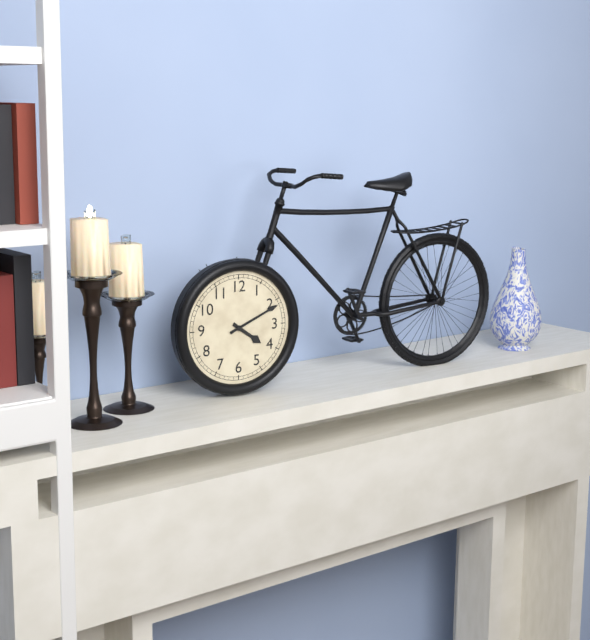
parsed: **4:11**
